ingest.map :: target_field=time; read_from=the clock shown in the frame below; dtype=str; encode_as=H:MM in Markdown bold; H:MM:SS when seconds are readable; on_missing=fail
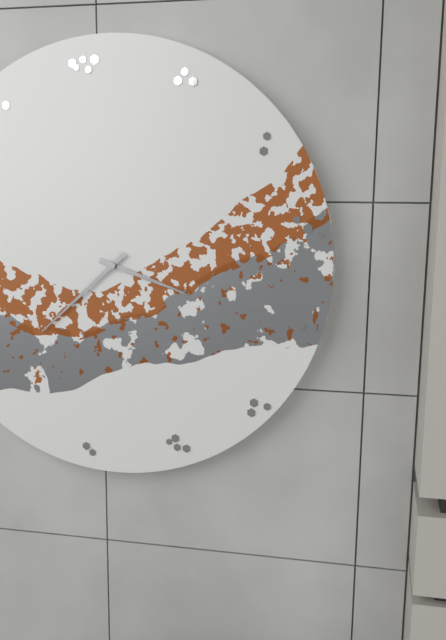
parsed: **3:38**
